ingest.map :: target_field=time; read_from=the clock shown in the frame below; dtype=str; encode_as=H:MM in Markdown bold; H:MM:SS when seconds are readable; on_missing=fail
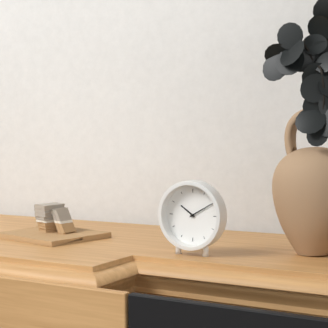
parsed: **10:10**
